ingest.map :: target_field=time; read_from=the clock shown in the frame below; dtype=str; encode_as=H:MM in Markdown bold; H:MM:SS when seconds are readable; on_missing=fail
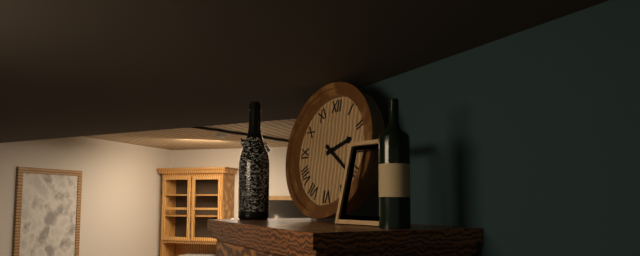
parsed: **2:21**
